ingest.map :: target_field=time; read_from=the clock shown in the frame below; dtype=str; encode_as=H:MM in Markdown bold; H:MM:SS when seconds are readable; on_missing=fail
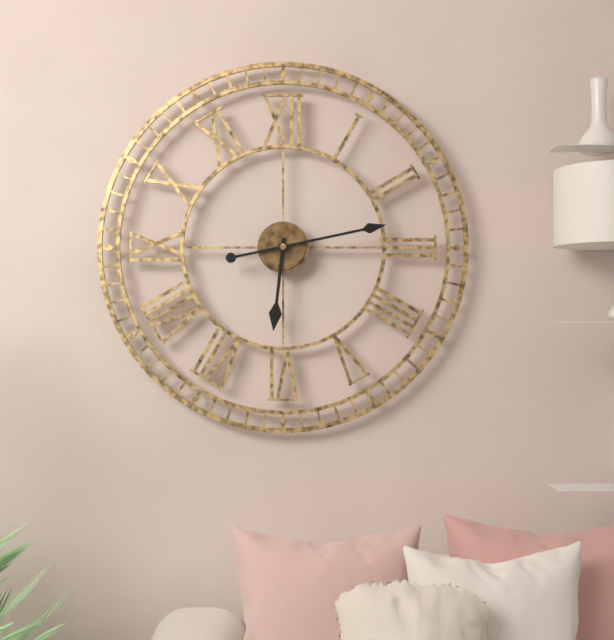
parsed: **6:13**
